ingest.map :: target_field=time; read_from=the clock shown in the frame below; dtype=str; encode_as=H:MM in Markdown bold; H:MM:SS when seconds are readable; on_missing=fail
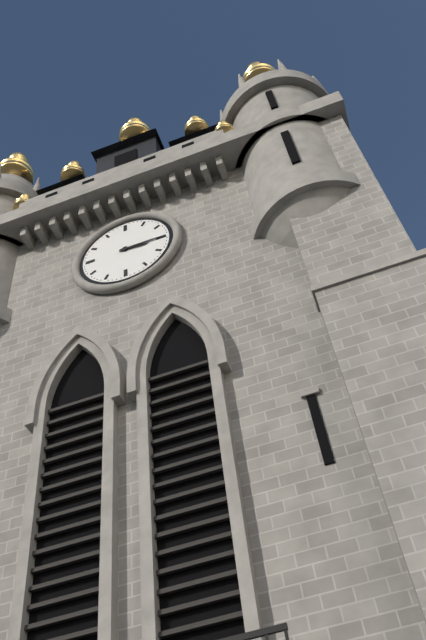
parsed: **3:15**
